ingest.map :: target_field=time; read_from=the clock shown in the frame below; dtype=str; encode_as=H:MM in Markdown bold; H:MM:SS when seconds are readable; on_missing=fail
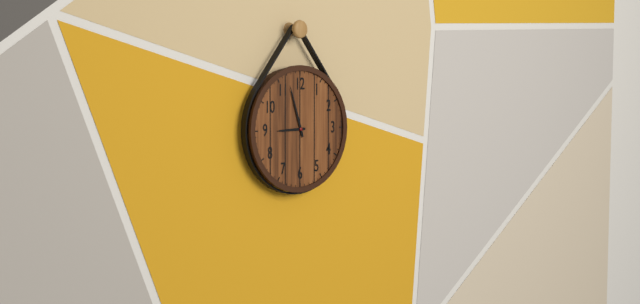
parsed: **8:57**
